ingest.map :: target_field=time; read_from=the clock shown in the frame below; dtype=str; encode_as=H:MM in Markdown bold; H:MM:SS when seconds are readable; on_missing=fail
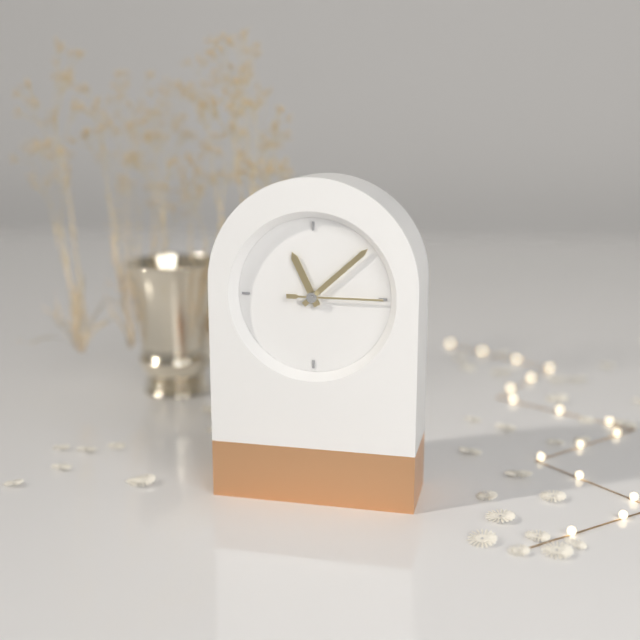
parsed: **11:08:15**
